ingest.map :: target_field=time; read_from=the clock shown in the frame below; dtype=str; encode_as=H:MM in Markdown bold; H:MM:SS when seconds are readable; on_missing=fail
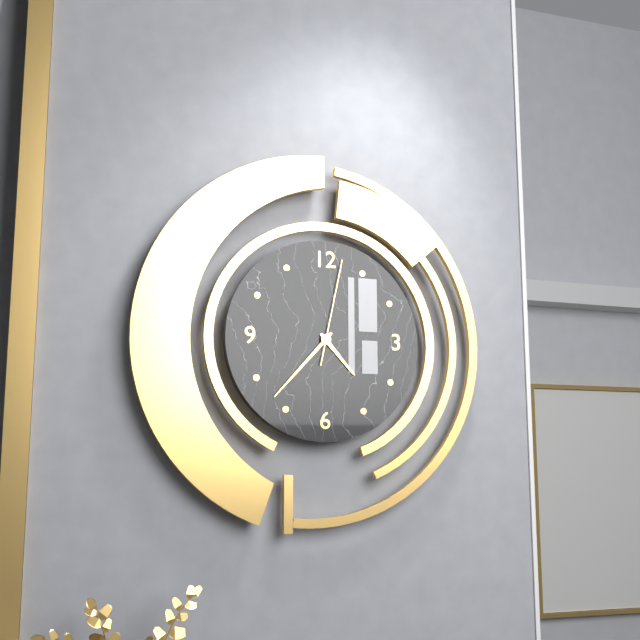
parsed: **4:37:02**
